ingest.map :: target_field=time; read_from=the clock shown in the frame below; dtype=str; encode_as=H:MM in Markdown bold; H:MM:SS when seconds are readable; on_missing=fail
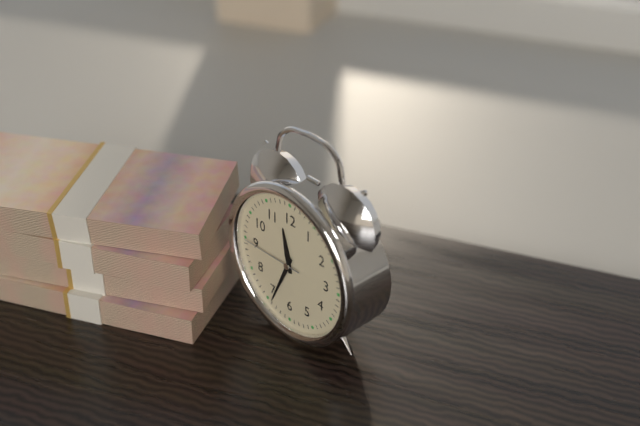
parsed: **11:34:45**
